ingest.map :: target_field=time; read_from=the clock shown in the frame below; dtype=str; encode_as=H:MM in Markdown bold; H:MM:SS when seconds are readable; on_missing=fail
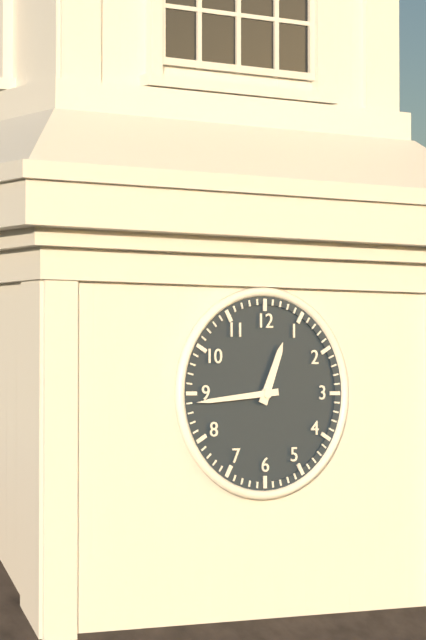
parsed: **12:44**
